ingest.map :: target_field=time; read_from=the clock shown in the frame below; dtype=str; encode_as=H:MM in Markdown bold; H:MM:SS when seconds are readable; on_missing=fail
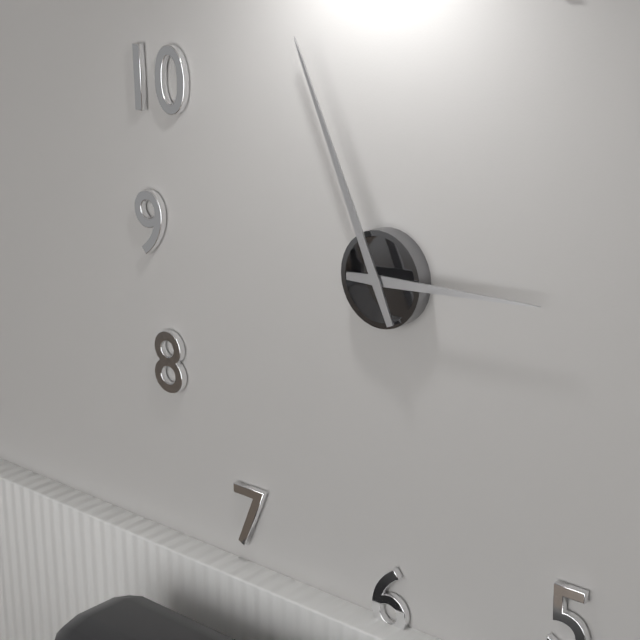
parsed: **2:56**
